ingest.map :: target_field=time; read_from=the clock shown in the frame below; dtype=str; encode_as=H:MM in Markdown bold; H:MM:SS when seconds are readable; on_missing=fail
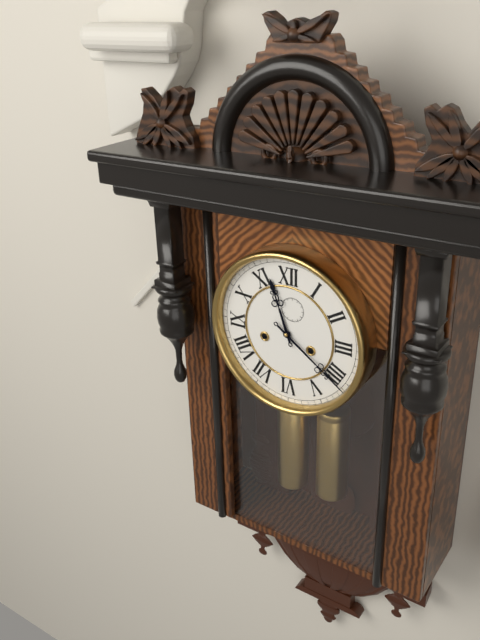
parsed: **11:21**
